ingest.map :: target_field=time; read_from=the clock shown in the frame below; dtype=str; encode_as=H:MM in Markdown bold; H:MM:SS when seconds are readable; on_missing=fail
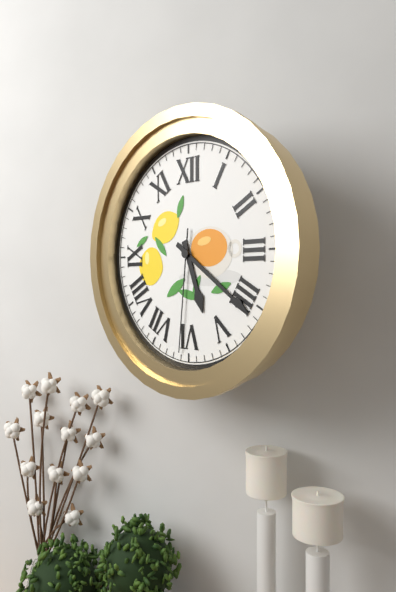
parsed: **5:21:31**
